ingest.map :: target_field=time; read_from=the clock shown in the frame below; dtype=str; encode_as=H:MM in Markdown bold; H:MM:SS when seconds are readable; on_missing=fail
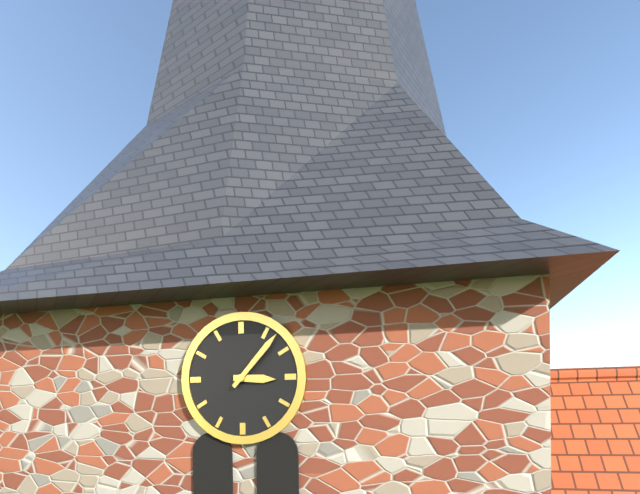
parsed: **3:07**
